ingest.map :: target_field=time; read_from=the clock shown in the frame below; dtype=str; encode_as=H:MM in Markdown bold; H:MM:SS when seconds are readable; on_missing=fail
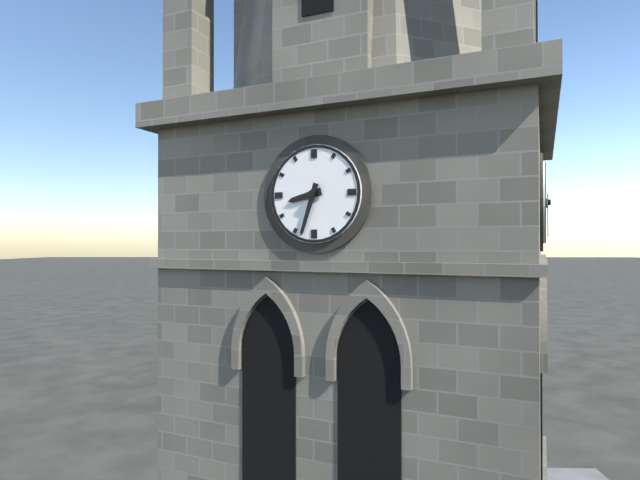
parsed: **8:33**
